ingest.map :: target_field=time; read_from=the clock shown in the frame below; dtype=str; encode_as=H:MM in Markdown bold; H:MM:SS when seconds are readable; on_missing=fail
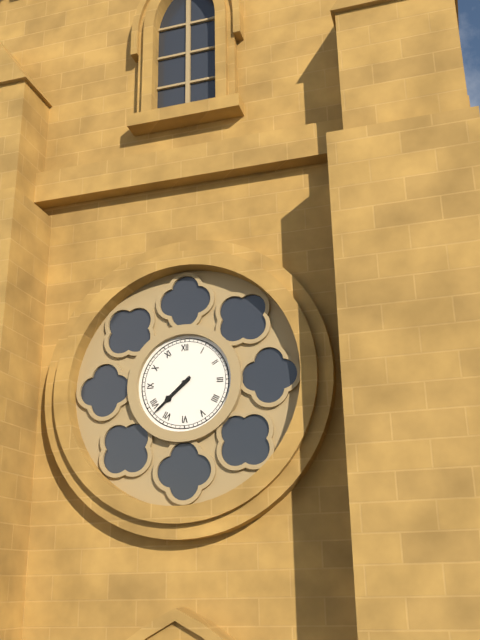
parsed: **7:38**
